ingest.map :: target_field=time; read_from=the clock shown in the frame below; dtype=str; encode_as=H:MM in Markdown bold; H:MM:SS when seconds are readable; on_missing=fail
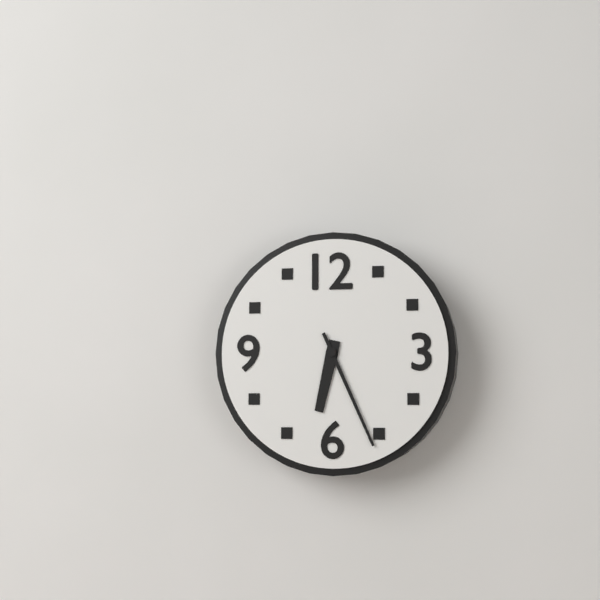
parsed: **6:26**
